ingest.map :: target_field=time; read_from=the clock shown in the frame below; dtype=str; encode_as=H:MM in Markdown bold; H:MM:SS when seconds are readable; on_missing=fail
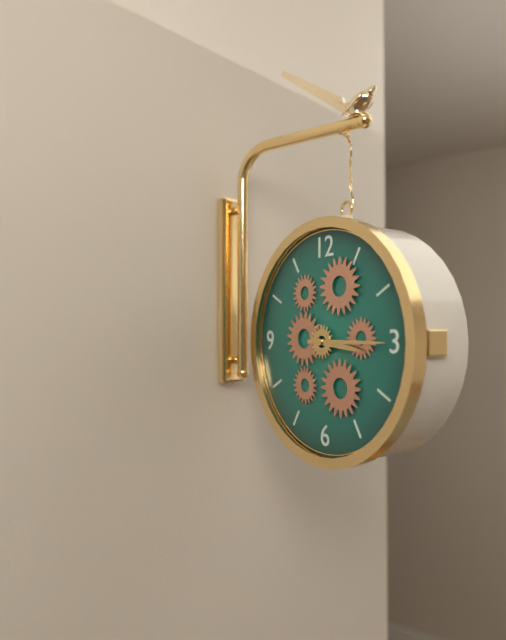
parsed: **3:15**
